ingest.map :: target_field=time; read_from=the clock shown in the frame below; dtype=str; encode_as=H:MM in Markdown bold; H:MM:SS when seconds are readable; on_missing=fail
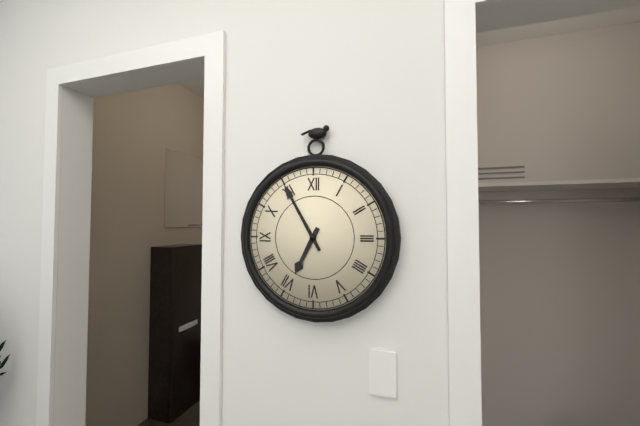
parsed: **6:55**
